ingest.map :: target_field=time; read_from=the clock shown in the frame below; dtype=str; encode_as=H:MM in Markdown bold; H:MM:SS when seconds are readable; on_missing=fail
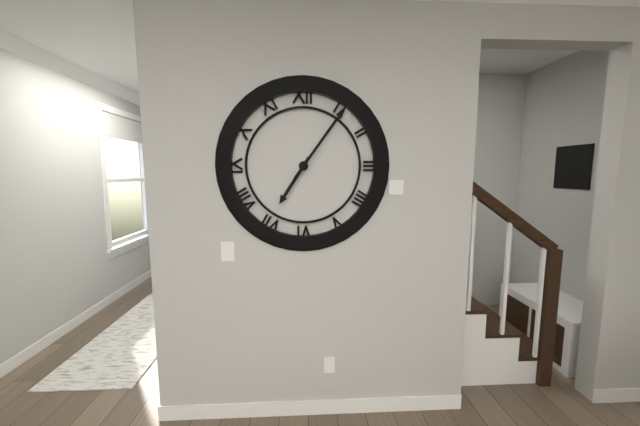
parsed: **7:06**
